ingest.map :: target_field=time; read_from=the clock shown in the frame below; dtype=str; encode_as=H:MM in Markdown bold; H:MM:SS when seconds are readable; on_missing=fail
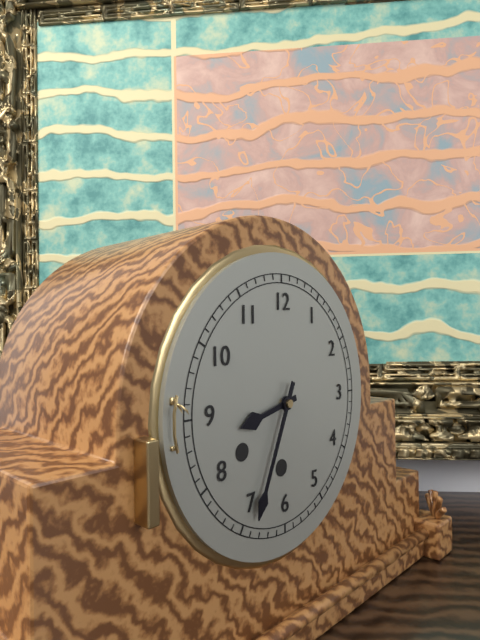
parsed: **8:34**
